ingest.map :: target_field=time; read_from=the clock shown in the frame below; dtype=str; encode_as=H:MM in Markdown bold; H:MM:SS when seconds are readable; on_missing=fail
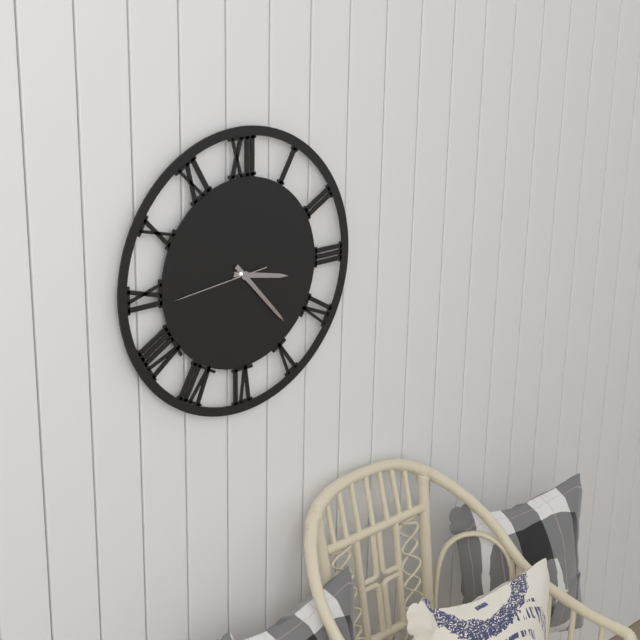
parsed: **3:23:44**
